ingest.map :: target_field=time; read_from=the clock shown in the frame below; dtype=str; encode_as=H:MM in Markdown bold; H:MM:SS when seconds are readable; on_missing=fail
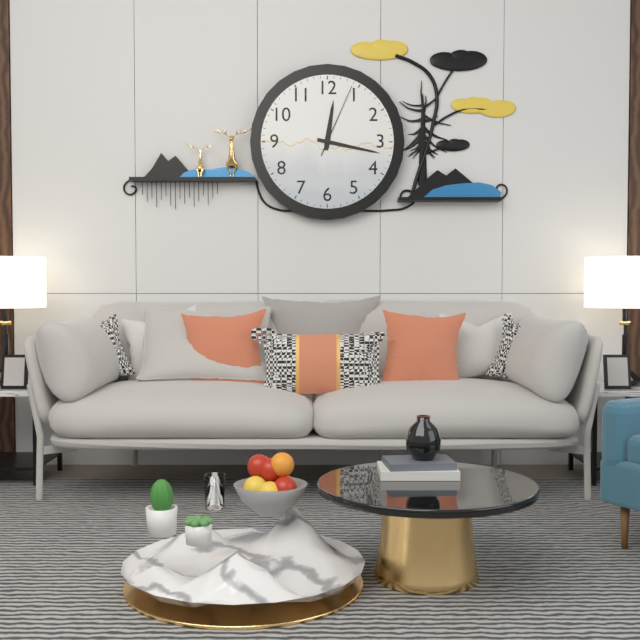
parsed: **12:17:04**
